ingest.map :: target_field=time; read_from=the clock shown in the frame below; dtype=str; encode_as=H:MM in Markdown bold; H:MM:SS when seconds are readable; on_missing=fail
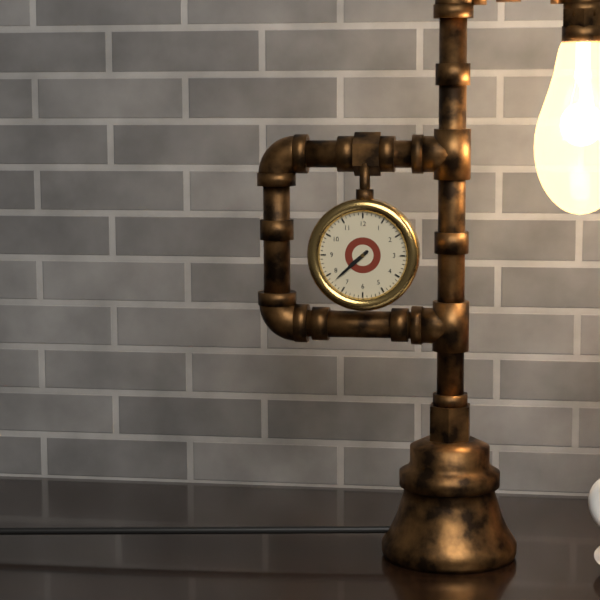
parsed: **7:38**
